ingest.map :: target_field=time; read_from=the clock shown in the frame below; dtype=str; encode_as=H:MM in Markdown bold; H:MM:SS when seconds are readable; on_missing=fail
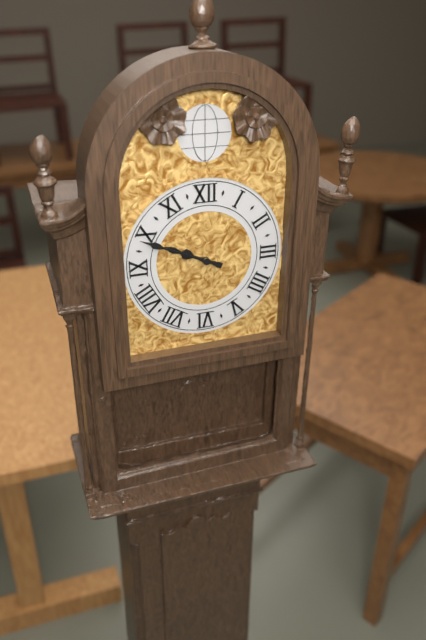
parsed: **9:49**
